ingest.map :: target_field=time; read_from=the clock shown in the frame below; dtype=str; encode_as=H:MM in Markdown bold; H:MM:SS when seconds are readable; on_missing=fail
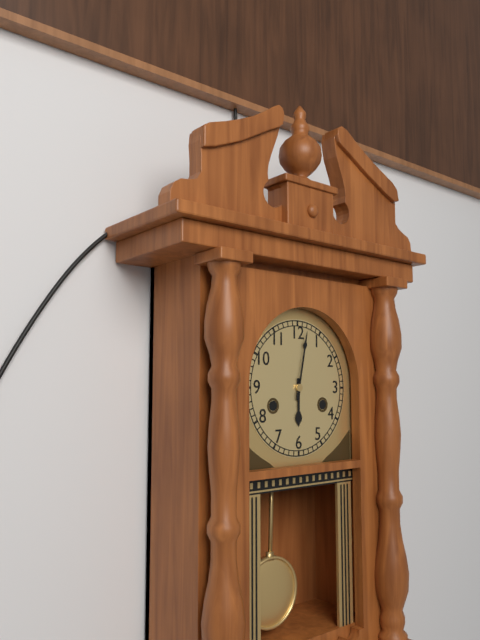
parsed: **6:02**
